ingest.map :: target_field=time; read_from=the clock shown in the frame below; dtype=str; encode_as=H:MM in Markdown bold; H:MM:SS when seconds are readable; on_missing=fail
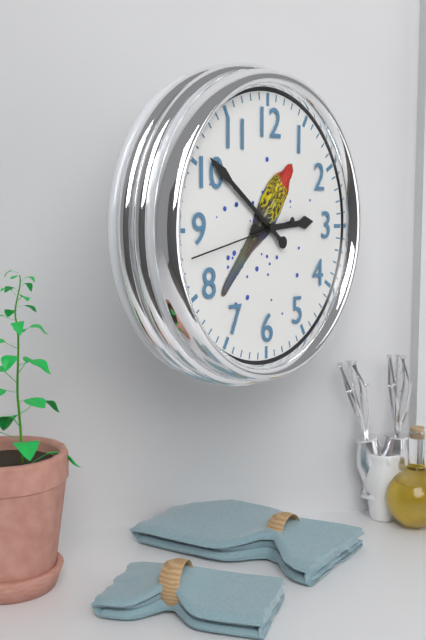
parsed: **2:51:43**
